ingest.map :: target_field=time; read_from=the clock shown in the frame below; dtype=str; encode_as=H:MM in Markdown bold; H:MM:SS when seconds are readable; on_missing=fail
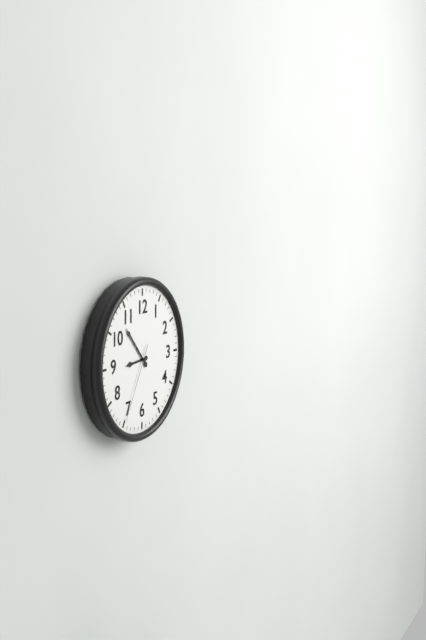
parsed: **8:53:35**
